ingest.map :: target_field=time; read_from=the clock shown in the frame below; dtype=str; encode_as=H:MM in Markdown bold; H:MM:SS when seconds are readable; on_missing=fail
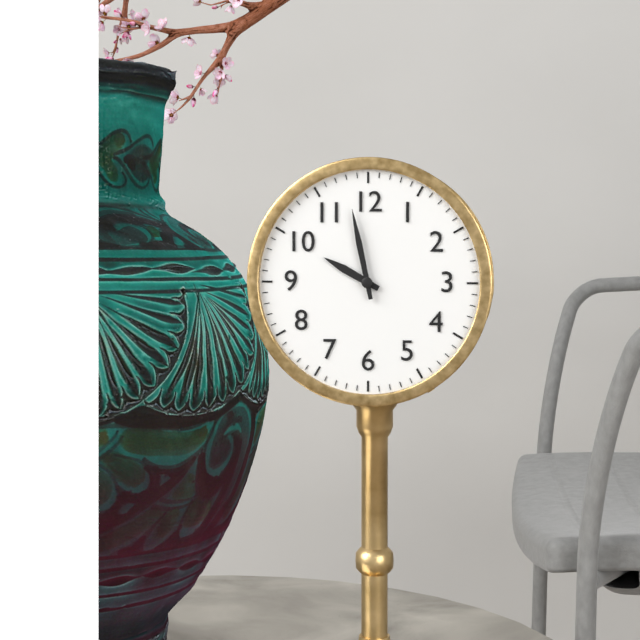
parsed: **9:58**
